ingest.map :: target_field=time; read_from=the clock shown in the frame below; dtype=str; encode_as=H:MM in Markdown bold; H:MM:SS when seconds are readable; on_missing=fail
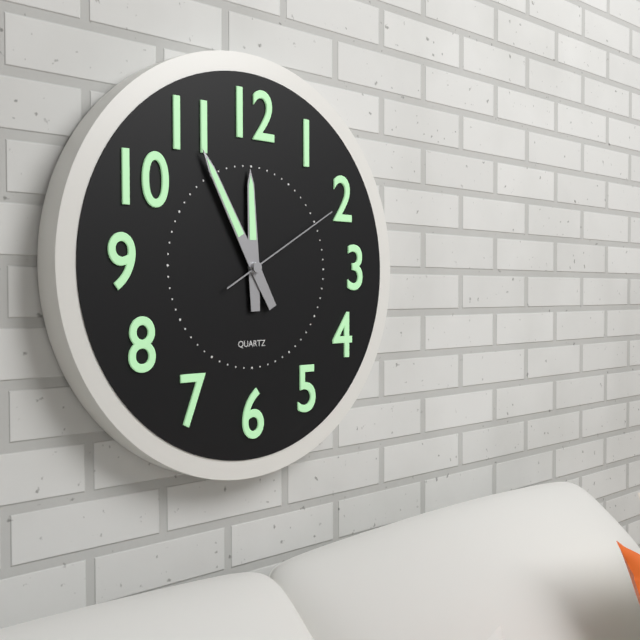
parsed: **11:55:10**
